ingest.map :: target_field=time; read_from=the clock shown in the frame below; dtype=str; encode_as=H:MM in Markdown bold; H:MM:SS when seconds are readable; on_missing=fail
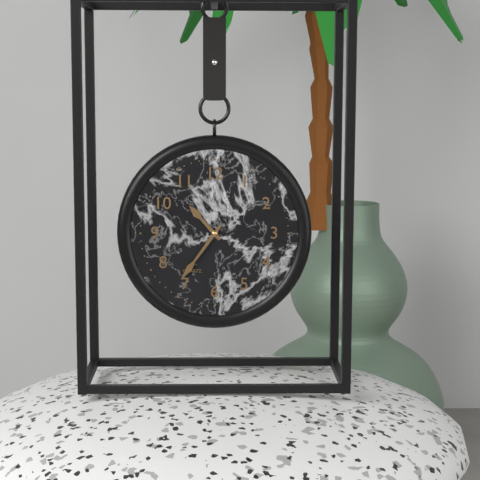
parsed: **10:36**
